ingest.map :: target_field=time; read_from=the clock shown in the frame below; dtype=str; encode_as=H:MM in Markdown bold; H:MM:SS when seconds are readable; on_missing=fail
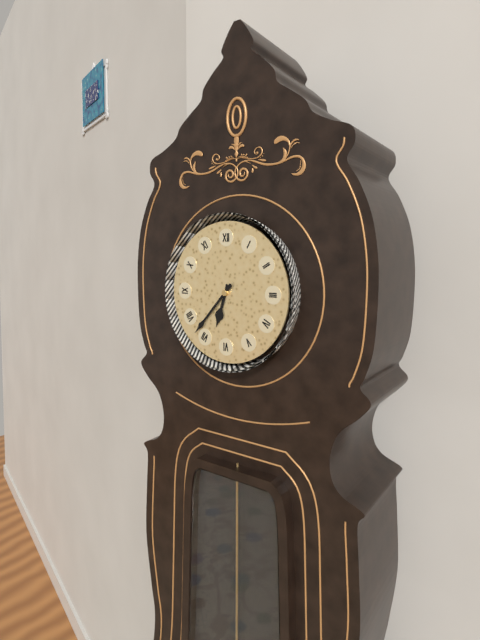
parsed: **6:37**
